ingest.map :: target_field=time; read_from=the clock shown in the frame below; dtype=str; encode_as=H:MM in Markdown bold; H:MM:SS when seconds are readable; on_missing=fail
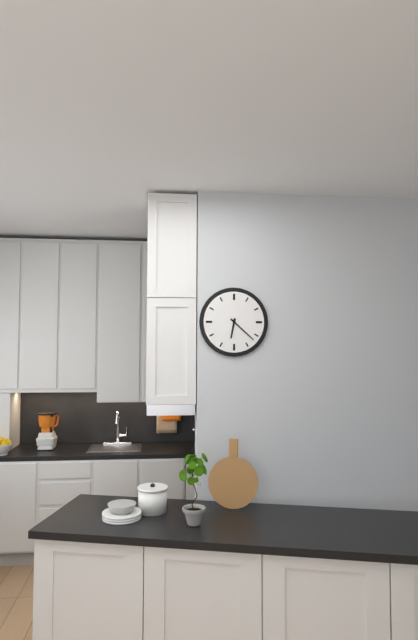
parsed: **6:22**
